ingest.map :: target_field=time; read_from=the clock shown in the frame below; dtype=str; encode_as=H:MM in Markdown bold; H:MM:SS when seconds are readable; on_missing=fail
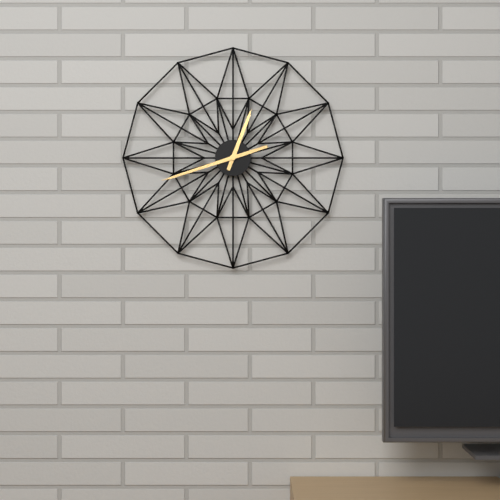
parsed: **12:42**
